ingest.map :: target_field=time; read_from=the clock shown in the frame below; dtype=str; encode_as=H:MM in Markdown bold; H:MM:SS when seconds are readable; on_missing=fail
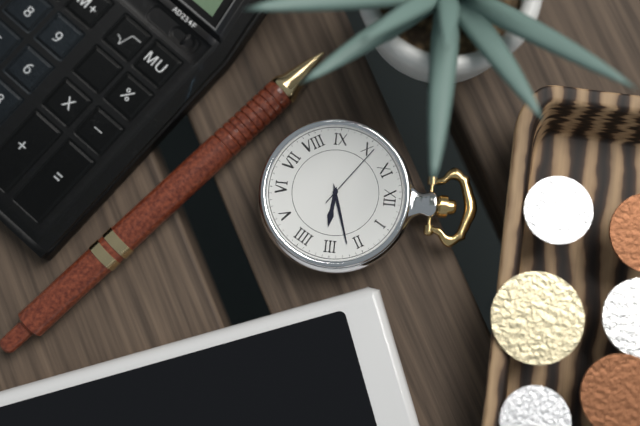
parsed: **3:12:51**
